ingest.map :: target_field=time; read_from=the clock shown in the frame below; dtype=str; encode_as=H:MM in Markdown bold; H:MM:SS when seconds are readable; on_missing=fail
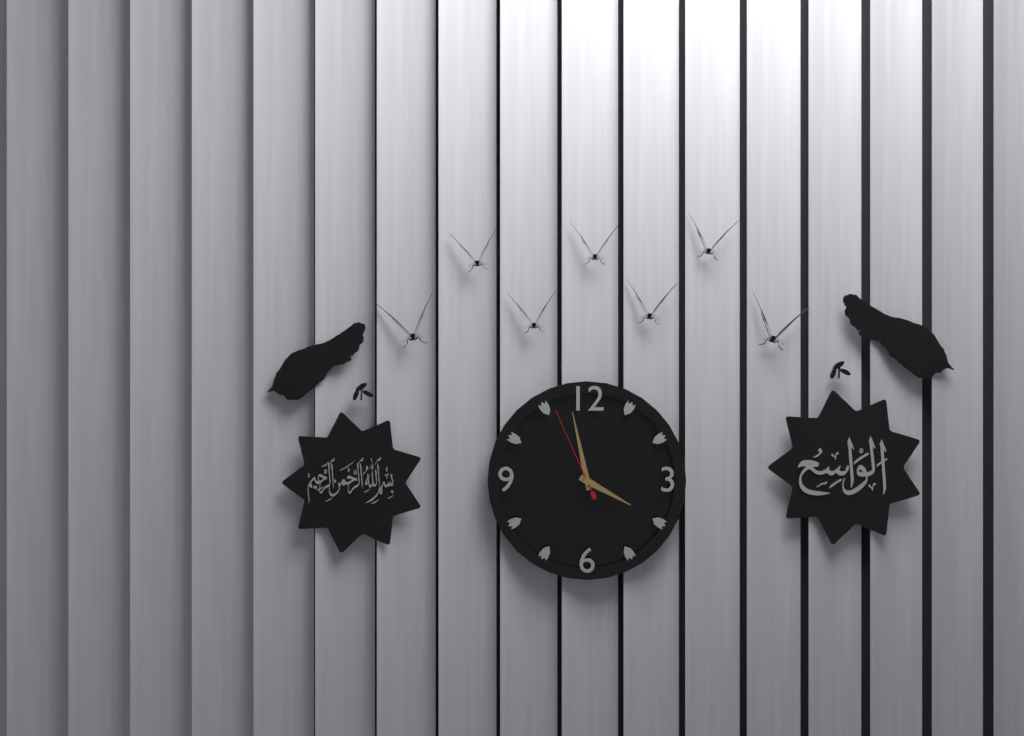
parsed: **3:58:56**
